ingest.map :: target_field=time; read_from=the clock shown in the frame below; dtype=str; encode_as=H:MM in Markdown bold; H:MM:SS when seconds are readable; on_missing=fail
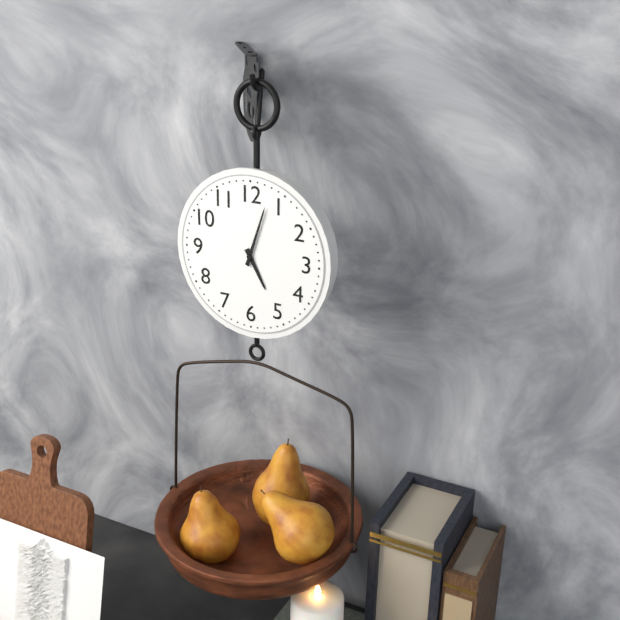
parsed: **5:03**
